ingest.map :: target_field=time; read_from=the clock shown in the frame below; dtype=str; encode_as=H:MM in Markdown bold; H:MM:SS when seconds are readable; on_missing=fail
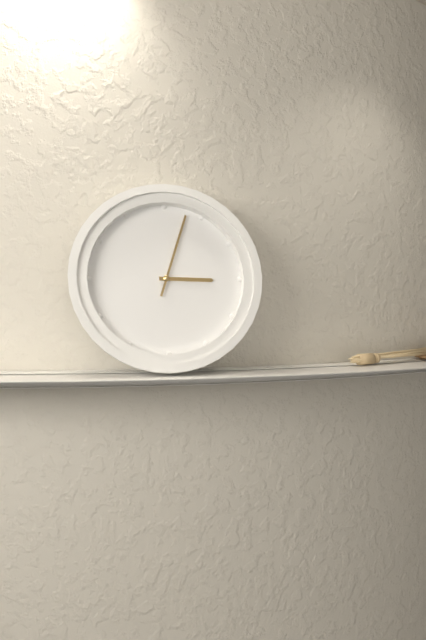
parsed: **3:03**
